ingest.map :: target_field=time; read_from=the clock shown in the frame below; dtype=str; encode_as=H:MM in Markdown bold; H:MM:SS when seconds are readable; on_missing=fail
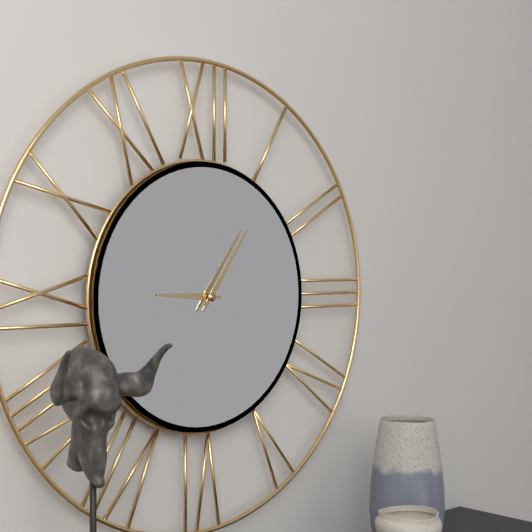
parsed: **9:06**
